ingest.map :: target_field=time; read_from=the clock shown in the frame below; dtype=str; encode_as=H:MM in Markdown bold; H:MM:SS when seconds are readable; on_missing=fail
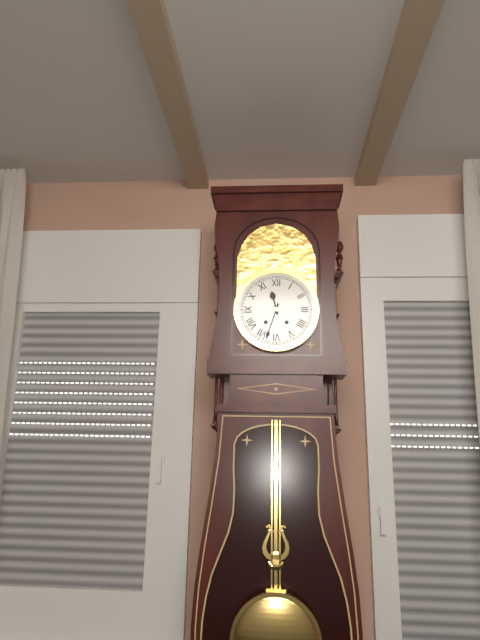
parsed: **11:33**
